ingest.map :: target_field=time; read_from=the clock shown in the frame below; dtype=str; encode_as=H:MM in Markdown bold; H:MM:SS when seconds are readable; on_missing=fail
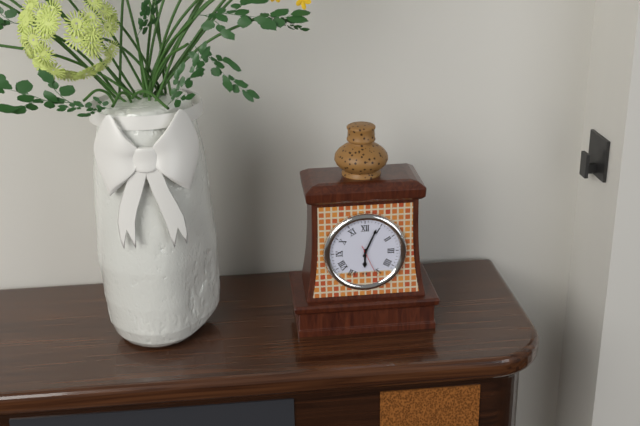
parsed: **6:04**
